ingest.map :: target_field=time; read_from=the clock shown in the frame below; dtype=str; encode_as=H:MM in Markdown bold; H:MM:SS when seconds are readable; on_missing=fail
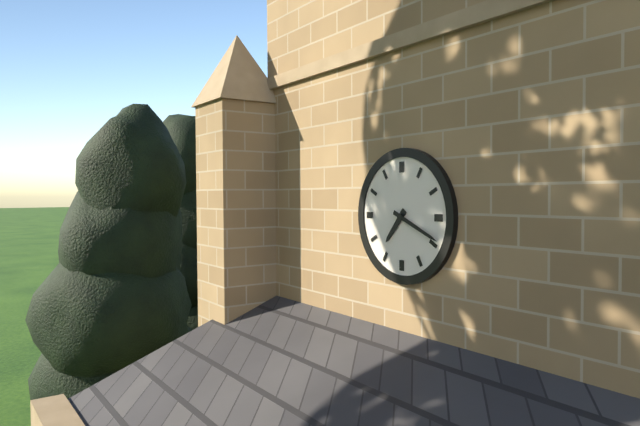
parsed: **7:19**
